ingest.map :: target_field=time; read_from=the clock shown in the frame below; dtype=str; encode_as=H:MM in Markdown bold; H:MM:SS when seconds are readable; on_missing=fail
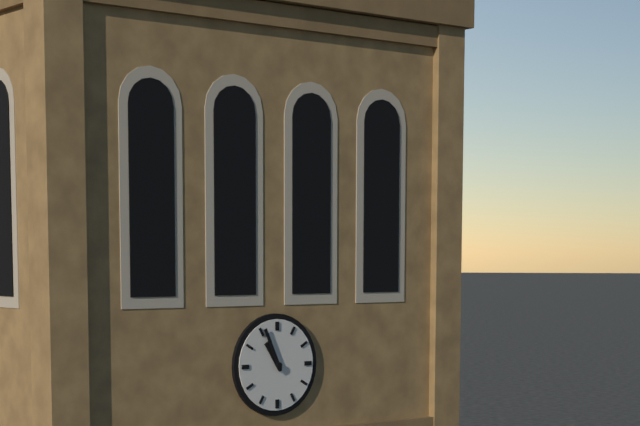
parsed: **10:56**
